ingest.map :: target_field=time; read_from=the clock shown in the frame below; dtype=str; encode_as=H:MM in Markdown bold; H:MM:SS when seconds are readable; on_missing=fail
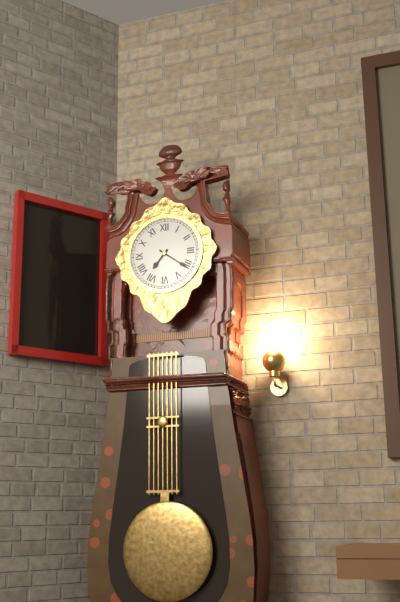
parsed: **7:21**
